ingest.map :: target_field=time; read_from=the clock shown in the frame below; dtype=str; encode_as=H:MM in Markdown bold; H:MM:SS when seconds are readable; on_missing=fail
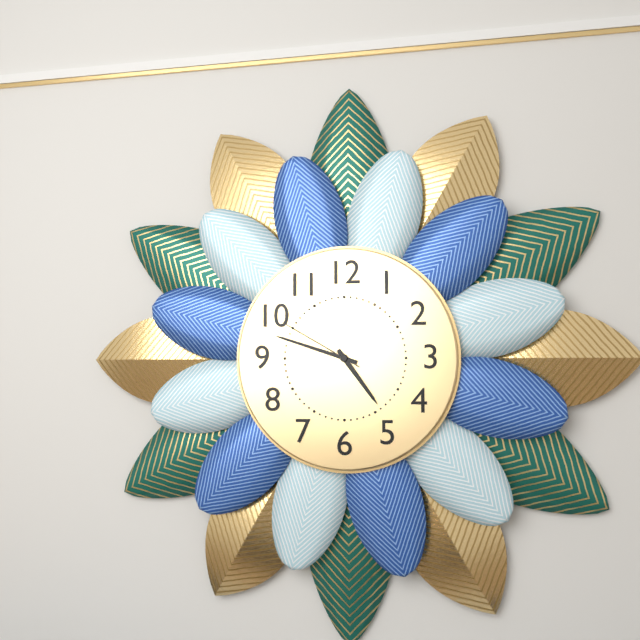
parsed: **4:48:50**
